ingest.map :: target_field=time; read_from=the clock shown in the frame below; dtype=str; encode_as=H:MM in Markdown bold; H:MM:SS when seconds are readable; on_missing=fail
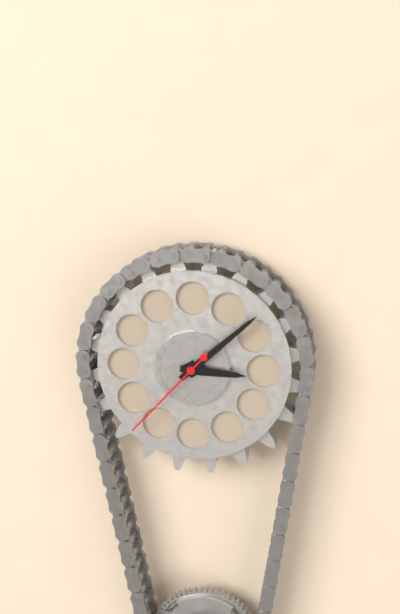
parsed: **3:08:37**
